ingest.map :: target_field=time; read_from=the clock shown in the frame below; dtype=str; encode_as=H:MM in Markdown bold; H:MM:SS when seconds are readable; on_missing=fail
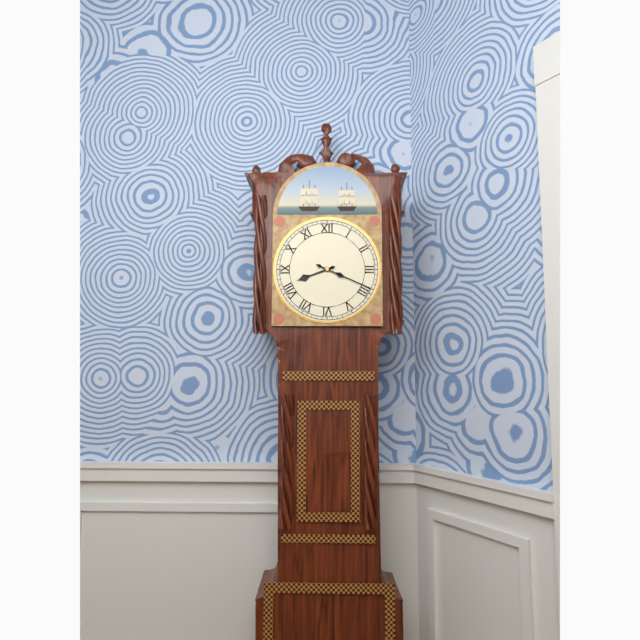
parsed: **8:19**
